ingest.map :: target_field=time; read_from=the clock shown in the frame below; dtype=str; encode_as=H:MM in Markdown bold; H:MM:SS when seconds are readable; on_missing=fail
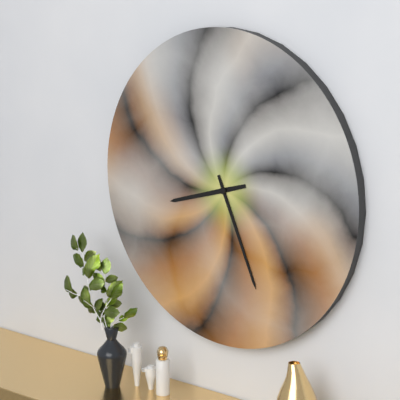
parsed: **8:26**
